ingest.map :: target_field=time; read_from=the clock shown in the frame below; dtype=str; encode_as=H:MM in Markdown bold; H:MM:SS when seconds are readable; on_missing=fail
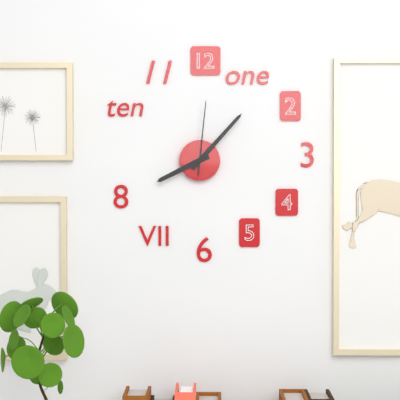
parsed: **8:07:01**
